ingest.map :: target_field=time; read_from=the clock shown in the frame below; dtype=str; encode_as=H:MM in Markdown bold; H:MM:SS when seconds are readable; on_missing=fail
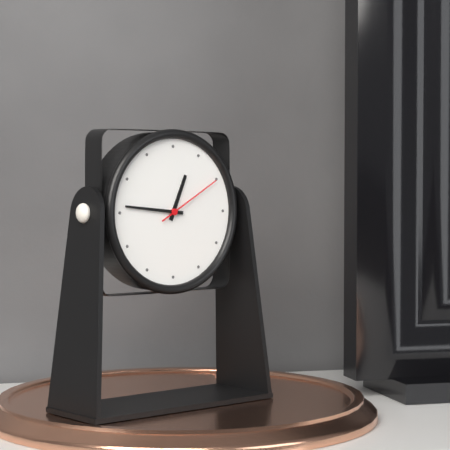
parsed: **12:46:10**
